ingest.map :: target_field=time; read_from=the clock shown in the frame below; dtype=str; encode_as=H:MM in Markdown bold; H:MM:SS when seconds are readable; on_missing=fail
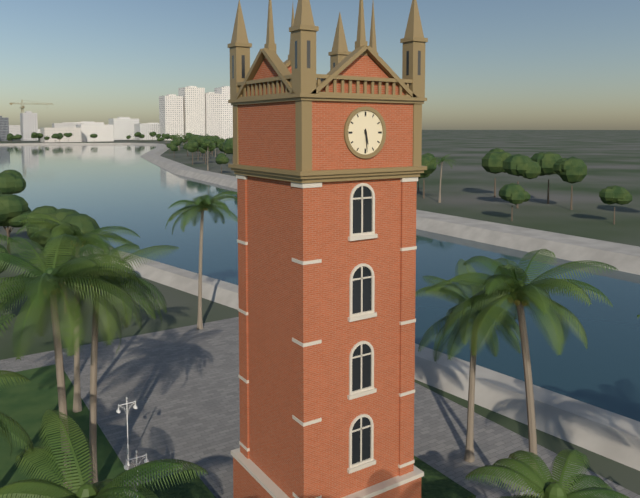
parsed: **5:29**
